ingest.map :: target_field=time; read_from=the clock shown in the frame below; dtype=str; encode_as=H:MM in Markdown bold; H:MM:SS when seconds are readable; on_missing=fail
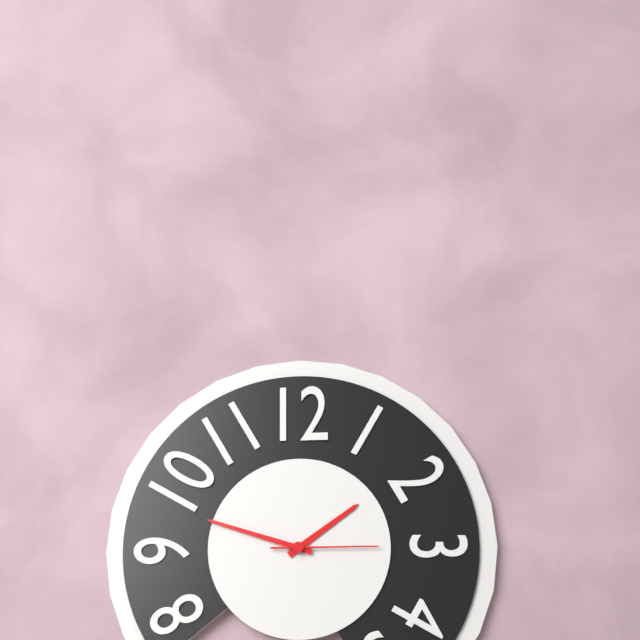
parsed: **1:48:15**
